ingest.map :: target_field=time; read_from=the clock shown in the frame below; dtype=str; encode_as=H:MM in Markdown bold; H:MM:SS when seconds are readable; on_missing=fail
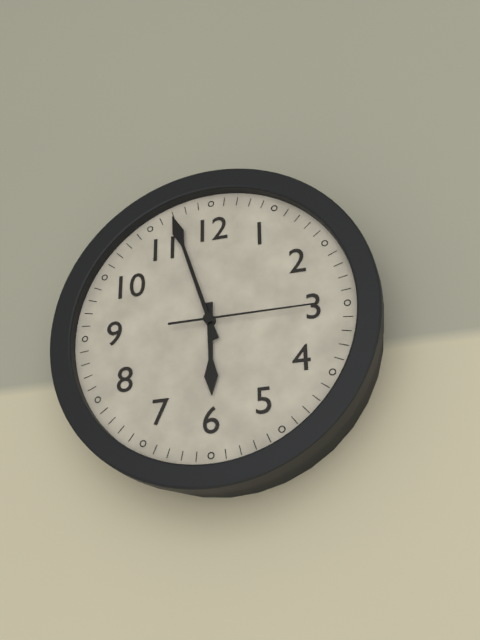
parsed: **5:57:15**
